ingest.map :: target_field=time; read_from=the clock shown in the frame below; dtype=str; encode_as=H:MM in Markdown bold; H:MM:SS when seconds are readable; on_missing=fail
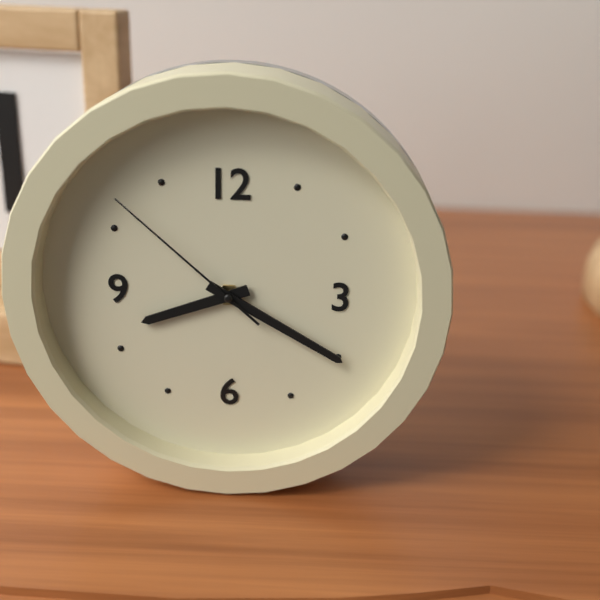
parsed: **8:20:52**
